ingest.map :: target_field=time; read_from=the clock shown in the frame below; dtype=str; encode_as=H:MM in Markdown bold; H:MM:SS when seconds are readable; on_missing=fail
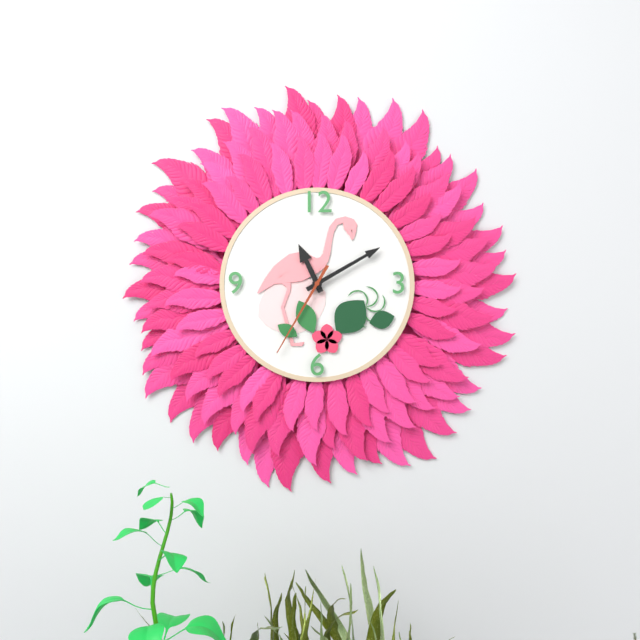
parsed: **11:10:35**
